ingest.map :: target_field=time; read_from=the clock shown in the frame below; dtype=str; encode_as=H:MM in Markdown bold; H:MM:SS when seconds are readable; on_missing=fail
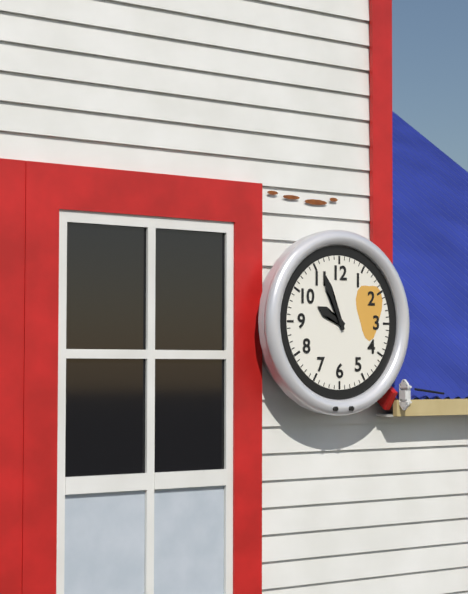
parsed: **9:56**
